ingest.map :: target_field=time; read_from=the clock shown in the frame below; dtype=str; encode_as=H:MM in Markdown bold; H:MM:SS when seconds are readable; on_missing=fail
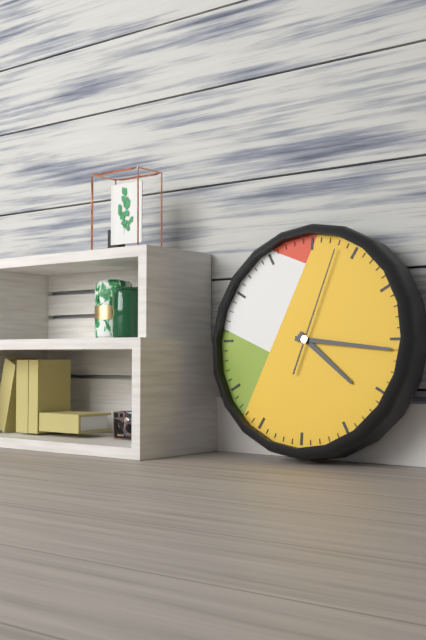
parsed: **4:16:03**
